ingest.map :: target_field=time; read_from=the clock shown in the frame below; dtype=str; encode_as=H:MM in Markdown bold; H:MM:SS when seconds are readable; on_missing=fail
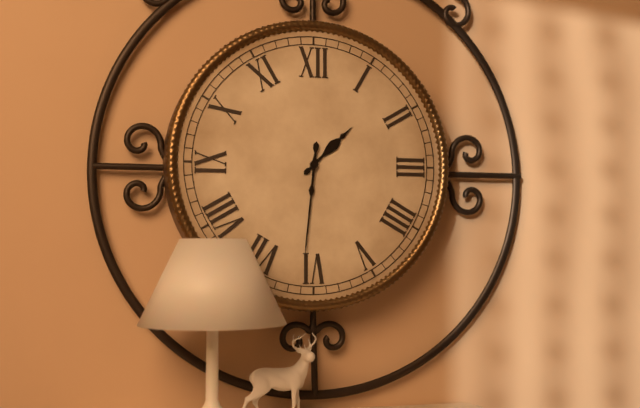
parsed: **1:31**
